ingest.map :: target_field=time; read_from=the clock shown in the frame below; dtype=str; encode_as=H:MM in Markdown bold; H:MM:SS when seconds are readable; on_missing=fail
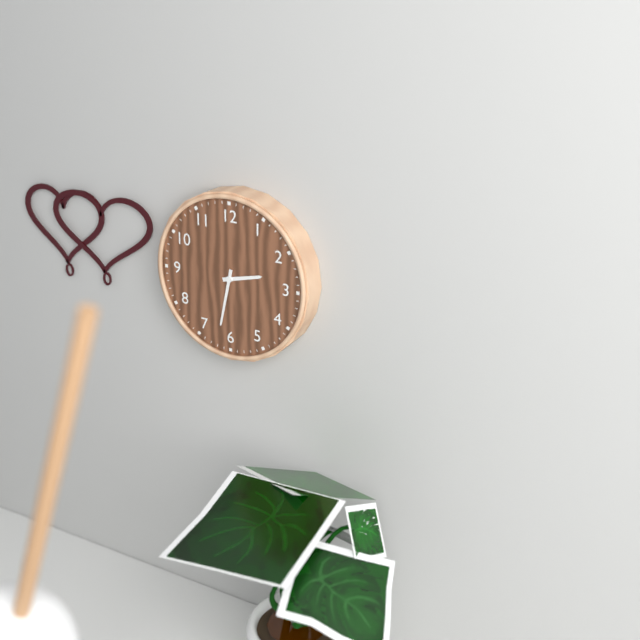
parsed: **2:32**
